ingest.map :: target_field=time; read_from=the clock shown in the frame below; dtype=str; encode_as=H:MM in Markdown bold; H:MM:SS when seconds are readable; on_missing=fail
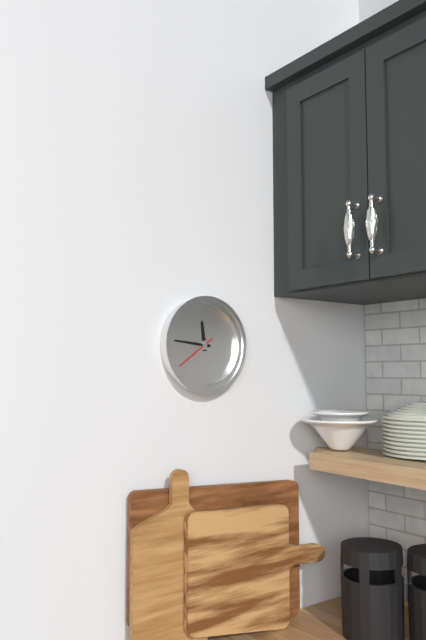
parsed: **11:46**
